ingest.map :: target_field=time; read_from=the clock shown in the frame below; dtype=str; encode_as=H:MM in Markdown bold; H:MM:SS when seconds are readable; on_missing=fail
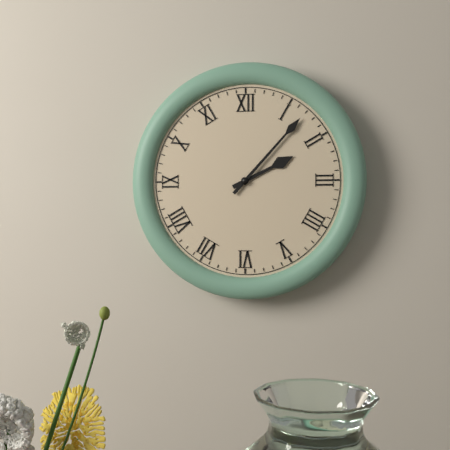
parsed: **2:07**
